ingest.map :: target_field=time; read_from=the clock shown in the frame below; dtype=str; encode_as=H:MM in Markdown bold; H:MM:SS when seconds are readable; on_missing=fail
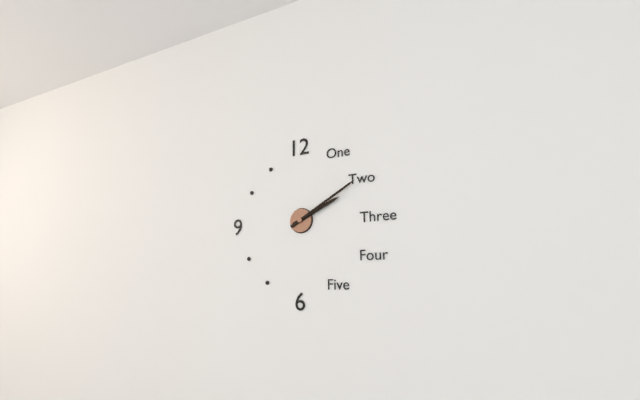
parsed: **2:10**
